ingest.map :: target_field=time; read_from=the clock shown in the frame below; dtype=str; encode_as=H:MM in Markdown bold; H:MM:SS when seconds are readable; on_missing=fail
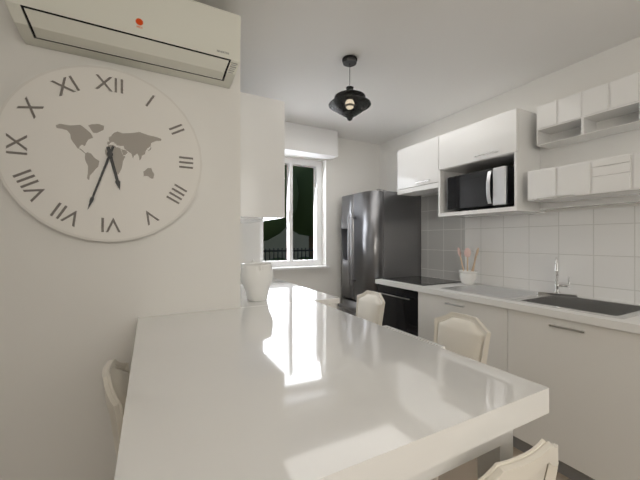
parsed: **5:33**
